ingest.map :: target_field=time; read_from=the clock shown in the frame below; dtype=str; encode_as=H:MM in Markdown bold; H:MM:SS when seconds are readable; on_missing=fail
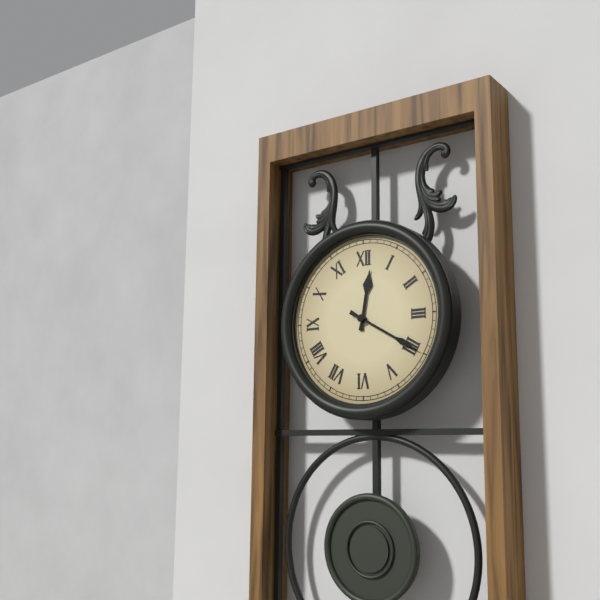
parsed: **12:20**
